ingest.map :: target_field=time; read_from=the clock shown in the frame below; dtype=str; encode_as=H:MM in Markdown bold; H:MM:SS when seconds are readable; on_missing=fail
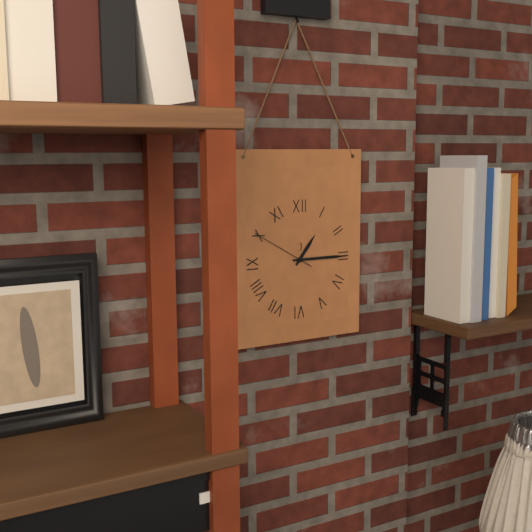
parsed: **1:15:50**
